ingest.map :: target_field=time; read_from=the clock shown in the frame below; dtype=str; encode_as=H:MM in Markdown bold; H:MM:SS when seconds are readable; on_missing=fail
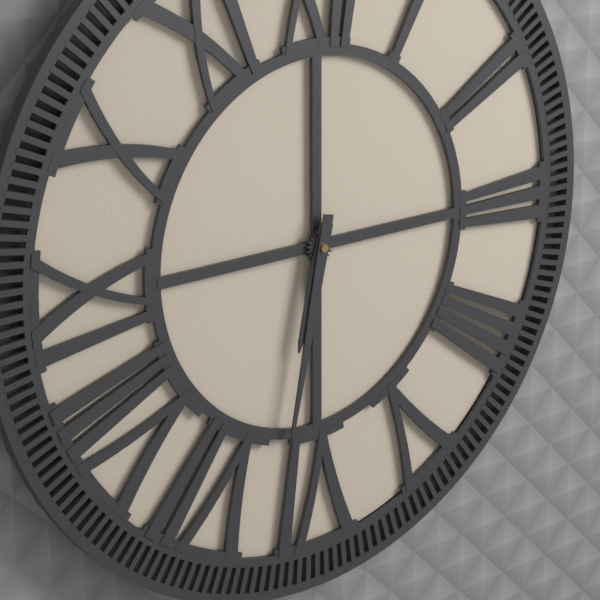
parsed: **6:32**
